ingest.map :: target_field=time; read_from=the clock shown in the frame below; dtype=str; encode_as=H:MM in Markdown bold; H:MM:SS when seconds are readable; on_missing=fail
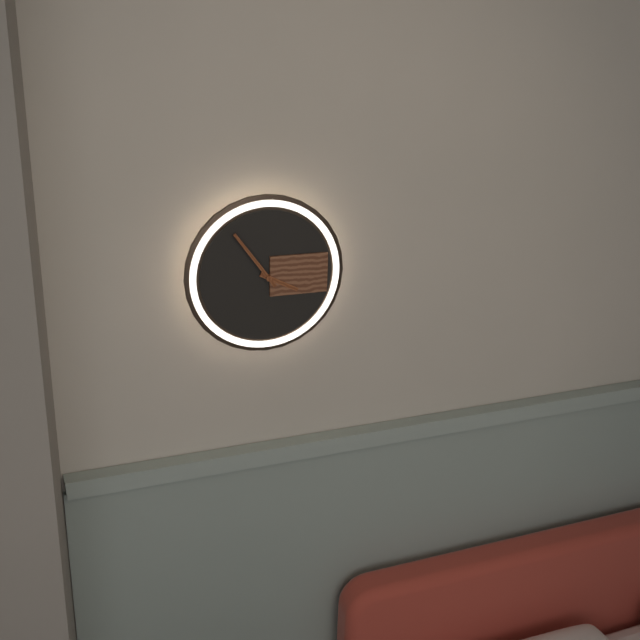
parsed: **3:54**
